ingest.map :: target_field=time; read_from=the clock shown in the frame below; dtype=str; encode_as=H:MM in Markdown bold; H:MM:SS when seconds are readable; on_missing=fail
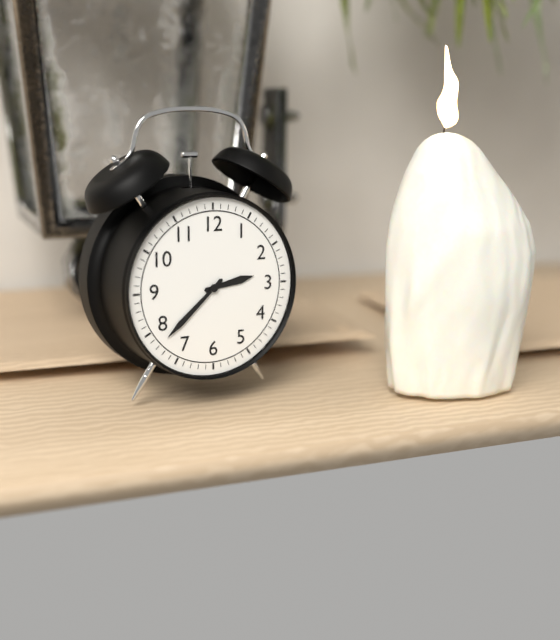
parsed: **2:38**
